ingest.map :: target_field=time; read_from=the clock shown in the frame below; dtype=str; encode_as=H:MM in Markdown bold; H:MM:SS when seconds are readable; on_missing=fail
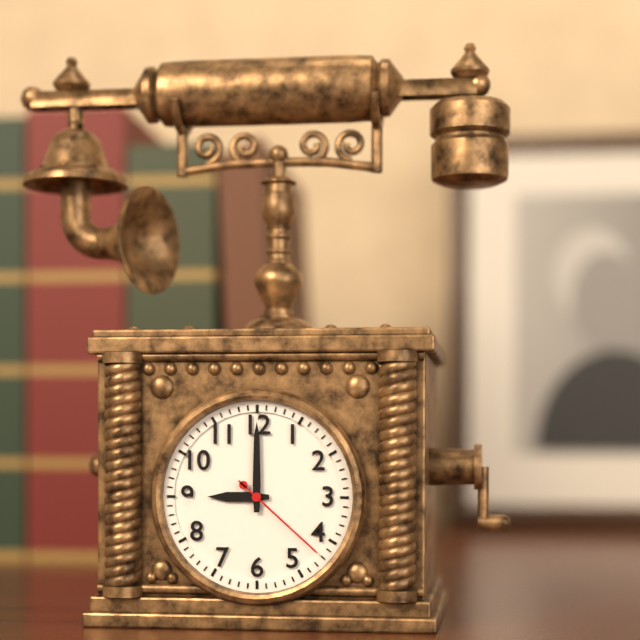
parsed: **9:00:22**
